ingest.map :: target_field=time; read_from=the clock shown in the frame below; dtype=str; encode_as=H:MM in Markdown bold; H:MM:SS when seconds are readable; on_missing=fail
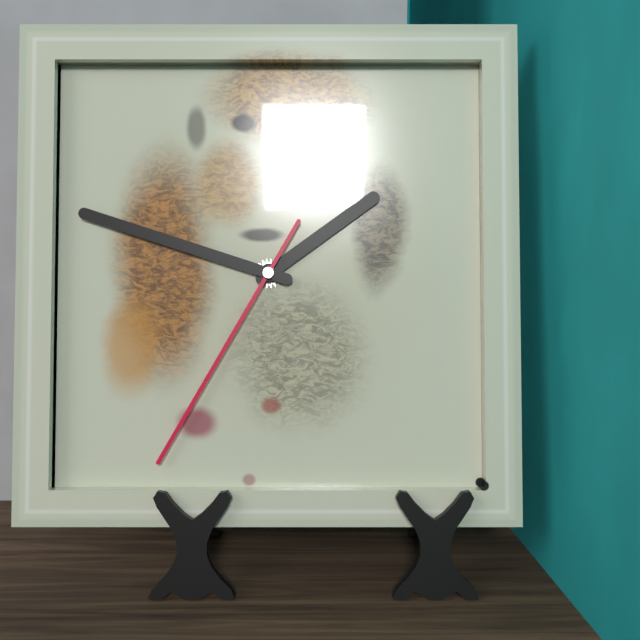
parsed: **1:48:35**
